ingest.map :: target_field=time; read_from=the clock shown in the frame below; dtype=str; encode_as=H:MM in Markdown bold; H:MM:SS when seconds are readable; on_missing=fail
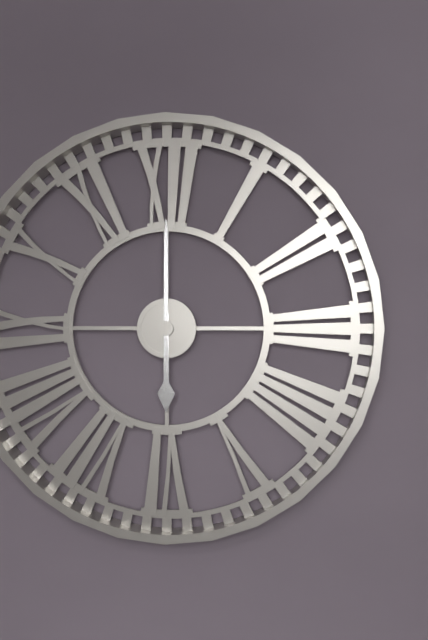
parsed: **6:00**
